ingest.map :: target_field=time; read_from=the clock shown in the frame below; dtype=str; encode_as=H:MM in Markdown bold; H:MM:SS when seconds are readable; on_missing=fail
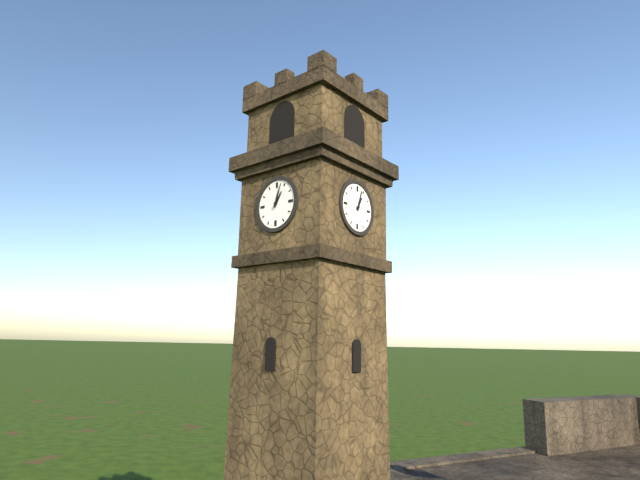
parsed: **1:03**
